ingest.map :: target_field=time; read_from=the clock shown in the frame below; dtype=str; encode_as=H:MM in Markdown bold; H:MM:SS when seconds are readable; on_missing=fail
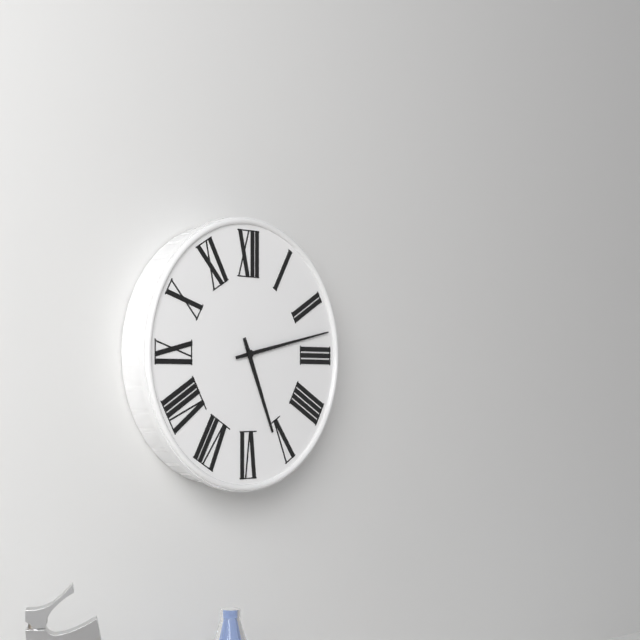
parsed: **5:13**
